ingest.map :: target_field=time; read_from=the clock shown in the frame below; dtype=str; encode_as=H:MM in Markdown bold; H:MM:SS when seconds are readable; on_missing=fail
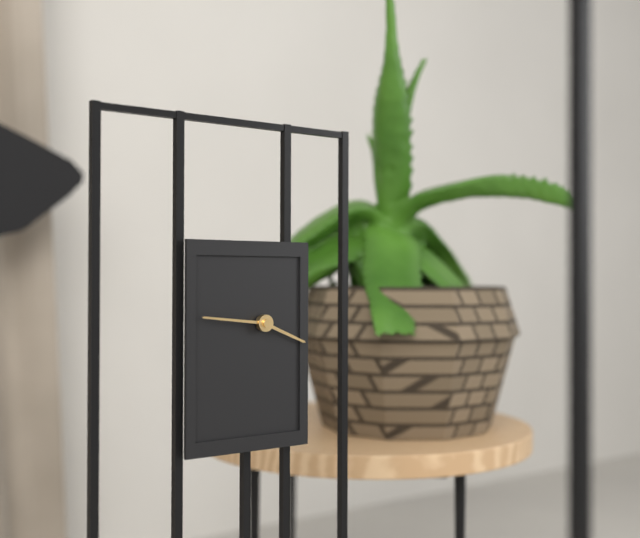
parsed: **3:46**
